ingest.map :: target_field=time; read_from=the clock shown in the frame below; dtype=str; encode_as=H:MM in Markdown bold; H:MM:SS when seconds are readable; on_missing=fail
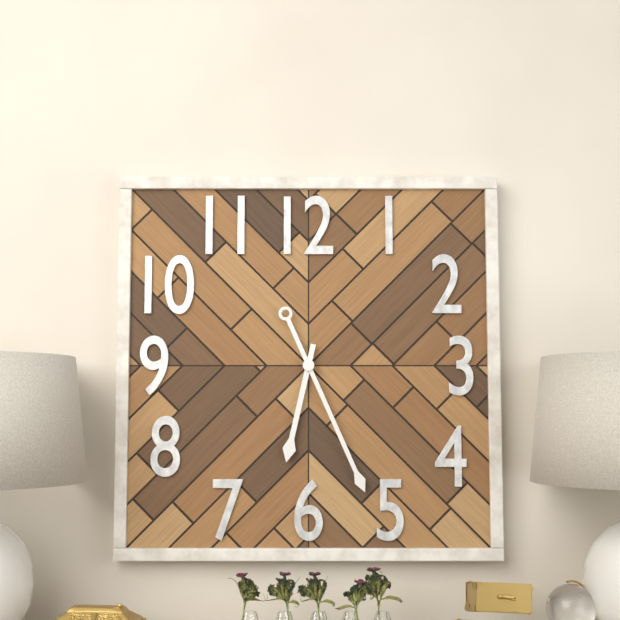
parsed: **6:26**
